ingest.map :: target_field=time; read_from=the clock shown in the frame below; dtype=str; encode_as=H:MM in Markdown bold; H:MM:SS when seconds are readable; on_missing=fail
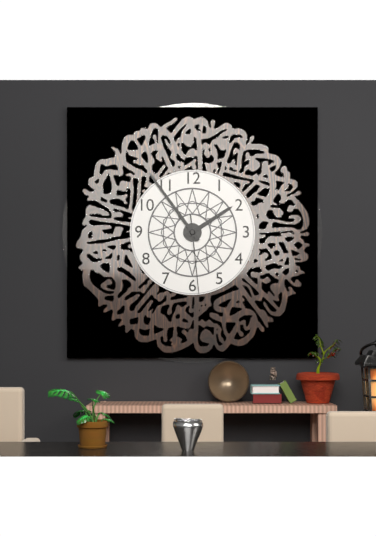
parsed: **1:54:29**
